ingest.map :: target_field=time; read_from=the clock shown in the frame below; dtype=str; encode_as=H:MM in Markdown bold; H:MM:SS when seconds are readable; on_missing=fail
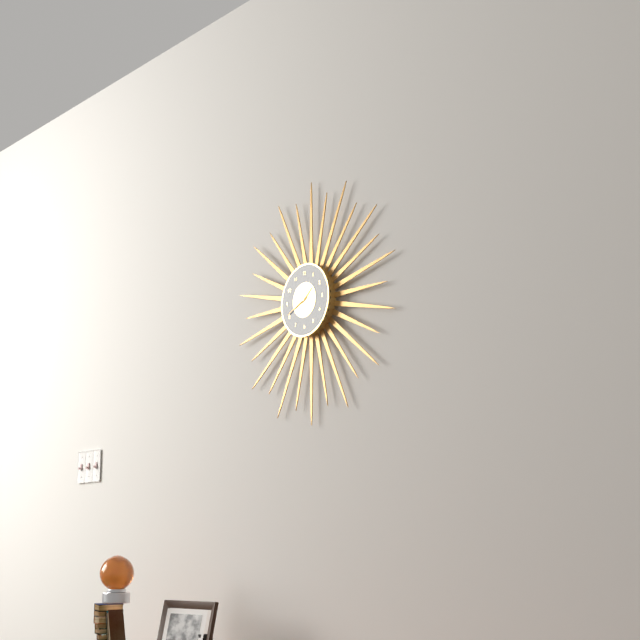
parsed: **1:41**
